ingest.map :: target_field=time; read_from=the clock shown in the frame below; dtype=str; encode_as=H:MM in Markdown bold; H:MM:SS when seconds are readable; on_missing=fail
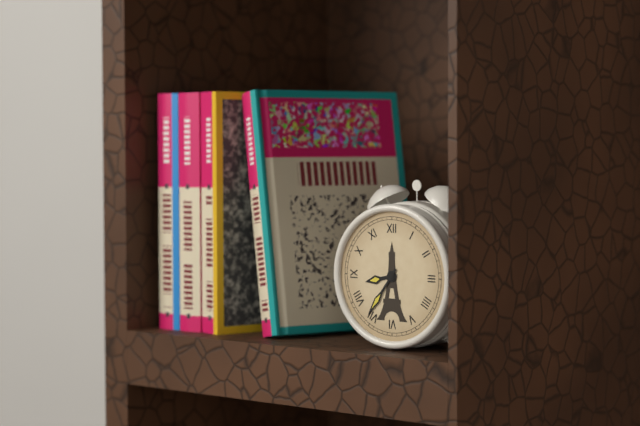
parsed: **8:36**
